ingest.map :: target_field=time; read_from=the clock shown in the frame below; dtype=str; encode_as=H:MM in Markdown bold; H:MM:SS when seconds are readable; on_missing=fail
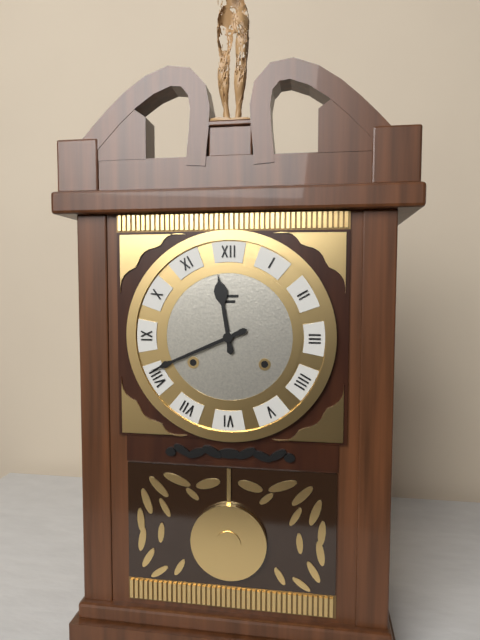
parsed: **11:41**
